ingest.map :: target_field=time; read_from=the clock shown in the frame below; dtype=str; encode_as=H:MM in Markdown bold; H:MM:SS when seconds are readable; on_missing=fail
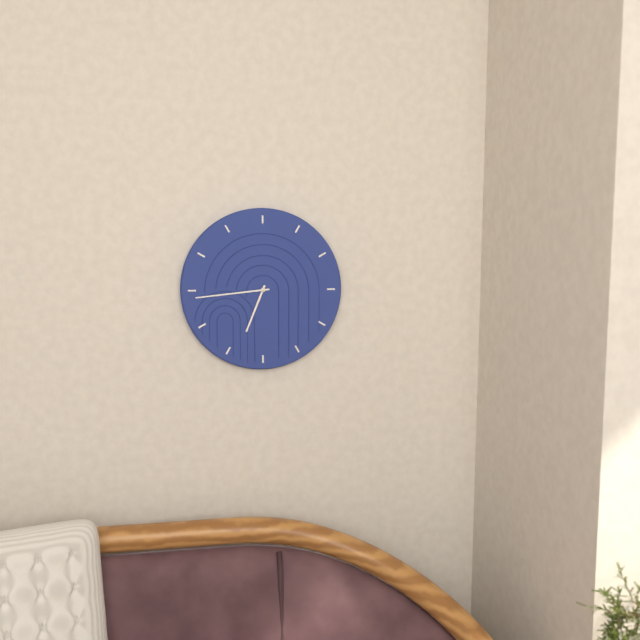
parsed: **6:44**
